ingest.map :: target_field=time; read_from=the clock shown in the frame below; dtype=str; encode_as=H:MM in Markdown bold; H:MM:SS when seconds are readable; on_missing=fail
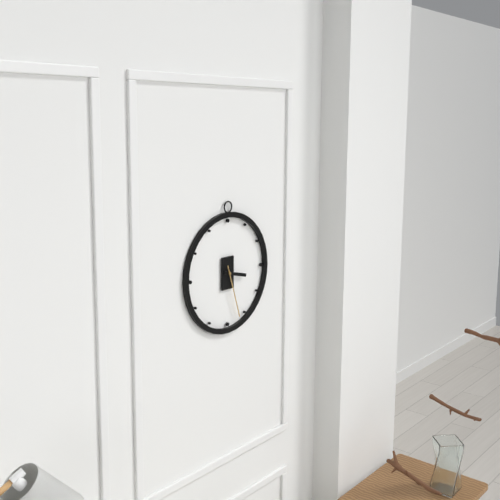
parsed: **3:27**
